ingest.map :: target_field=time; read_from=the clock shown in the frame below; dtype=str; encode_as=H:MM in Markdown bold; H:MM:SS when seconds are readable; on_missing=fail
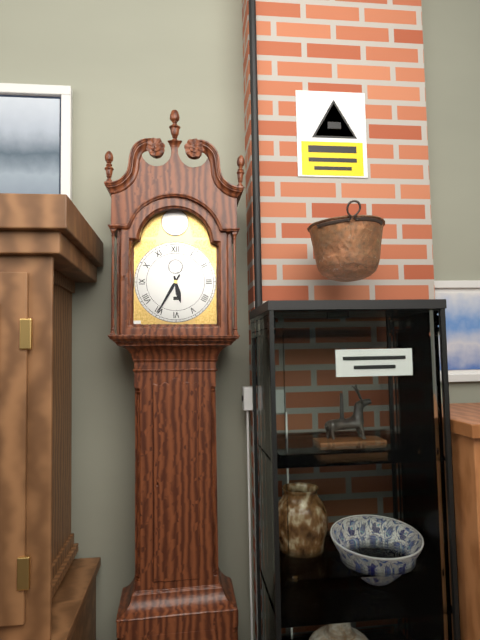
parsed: **5:35**
